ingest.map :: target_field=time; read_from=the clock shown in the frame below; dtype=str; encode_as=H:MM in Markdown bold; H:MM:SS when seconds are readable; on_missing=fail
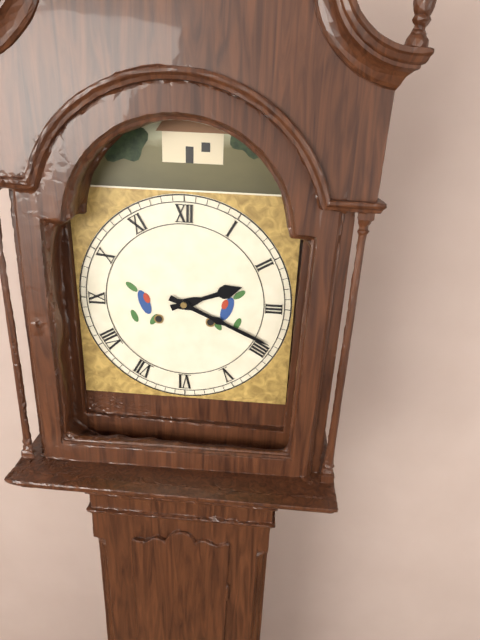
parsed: **2:19**
